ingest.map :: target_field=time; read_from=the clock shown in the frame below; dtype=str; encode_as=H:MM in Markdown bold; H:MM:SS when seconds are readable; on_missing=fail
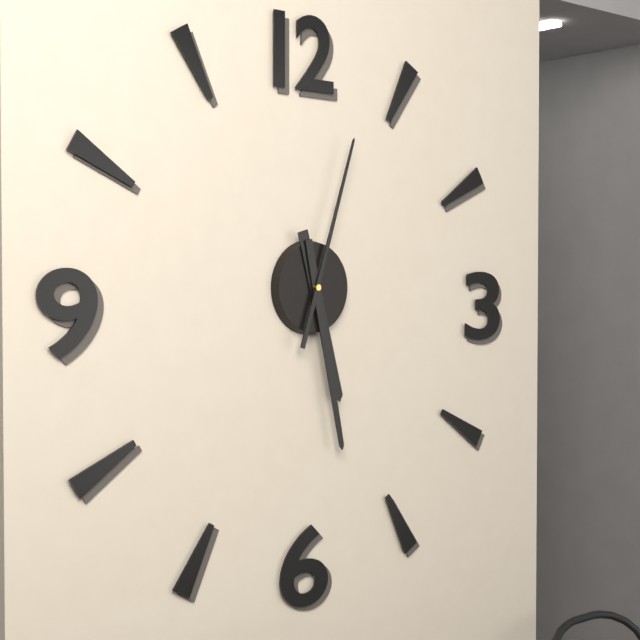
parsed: **5:28:03**
